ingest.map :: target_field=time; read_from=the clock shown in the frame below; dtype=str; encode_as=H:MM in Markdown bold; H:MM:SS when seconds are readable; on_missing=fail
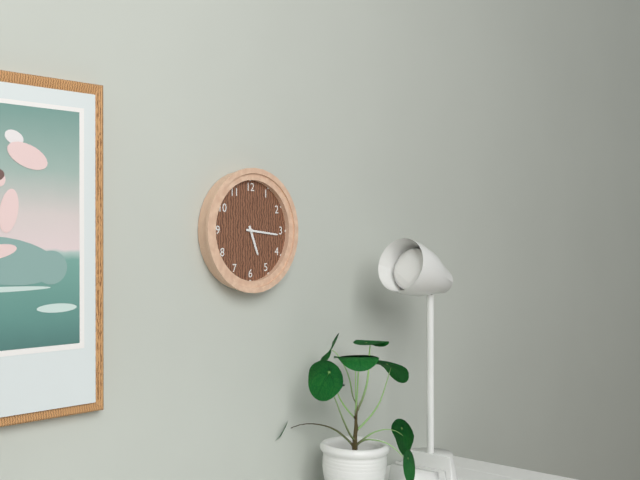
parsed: **5:16**
